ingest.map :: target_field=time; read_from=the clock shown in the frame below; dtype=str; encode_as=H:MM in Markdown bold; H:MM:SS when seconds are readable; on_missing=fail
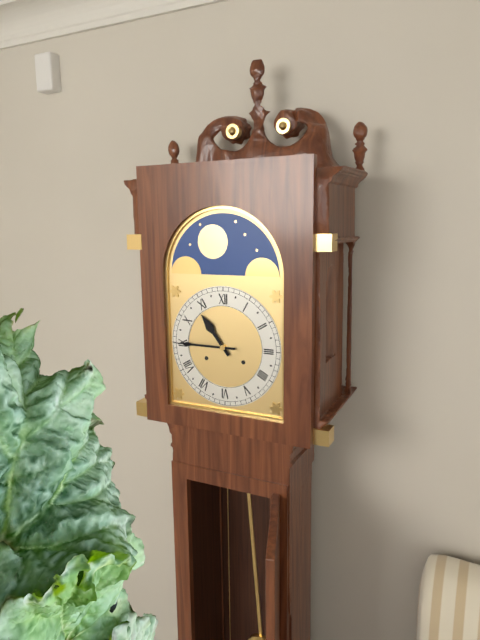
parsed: **10:45**
